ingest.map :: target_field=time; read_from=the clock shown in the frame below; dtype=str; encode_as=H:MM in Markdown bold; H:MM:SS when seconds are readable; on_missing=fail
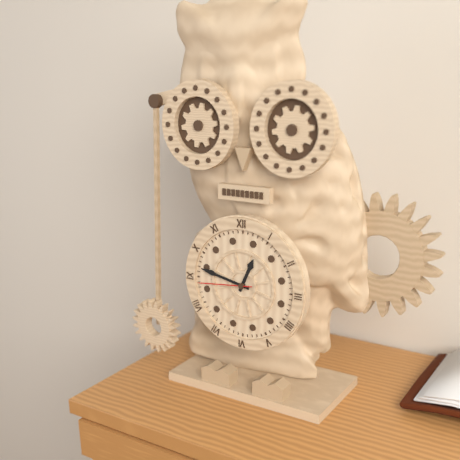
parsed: **12:47:44**
